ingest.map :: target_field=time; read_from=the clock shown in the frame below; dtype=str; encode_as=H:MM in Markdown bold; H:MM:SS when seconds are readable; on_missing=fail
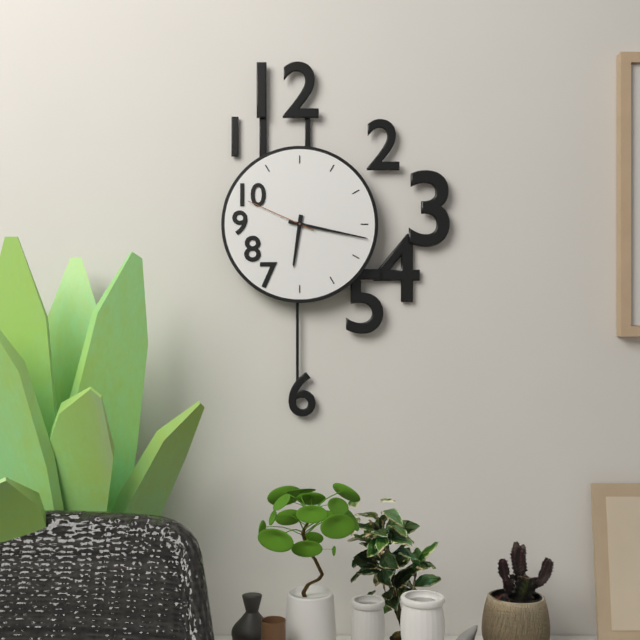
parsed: **6:17:49**
